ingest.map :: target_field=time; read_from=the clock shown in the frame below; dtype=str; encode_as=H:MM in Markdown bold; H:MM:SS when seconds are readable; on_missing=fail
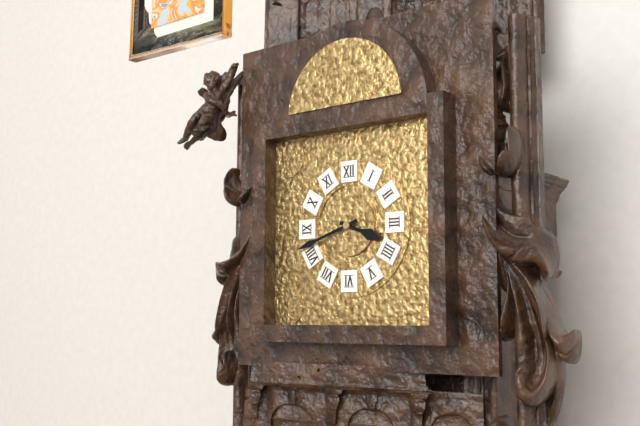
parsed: **3:42**
